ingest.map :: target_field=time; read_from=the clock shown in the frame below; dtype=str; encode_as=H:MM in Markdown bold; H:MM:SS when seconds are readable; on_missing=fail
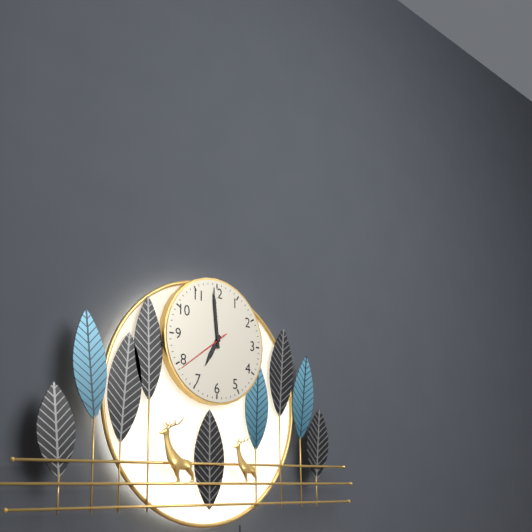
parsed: **6:59:39**
